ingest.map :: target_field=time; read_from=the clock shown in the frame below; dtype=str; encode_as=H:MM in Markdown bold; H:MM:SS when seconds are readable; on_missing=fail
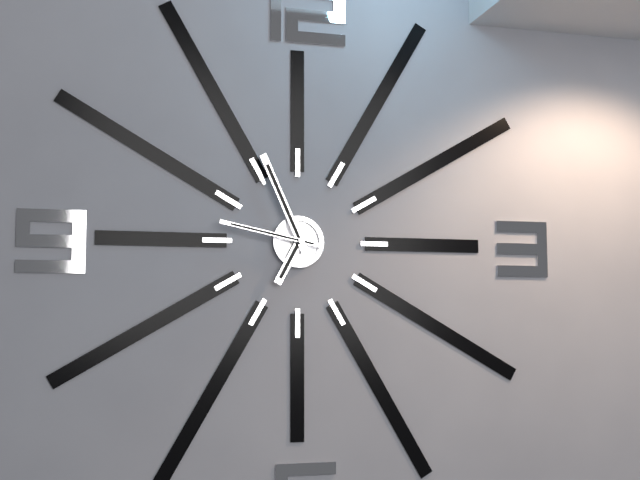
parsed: **6:56:47**
